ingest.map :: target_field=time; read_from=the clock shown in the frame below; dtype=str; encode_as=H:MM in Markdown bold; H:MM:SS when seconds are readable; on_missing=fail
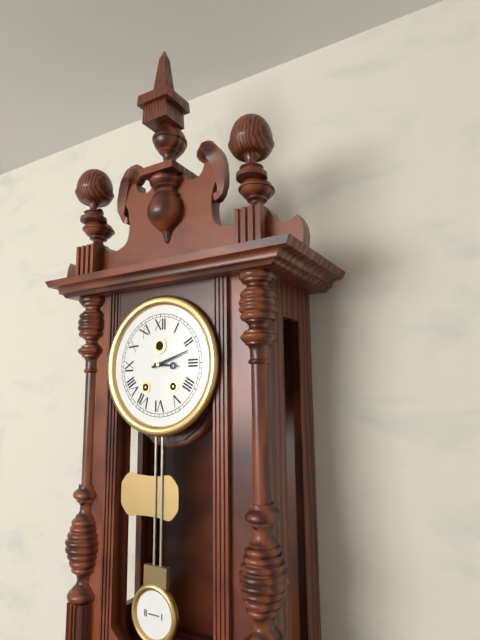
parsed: **3:12**
